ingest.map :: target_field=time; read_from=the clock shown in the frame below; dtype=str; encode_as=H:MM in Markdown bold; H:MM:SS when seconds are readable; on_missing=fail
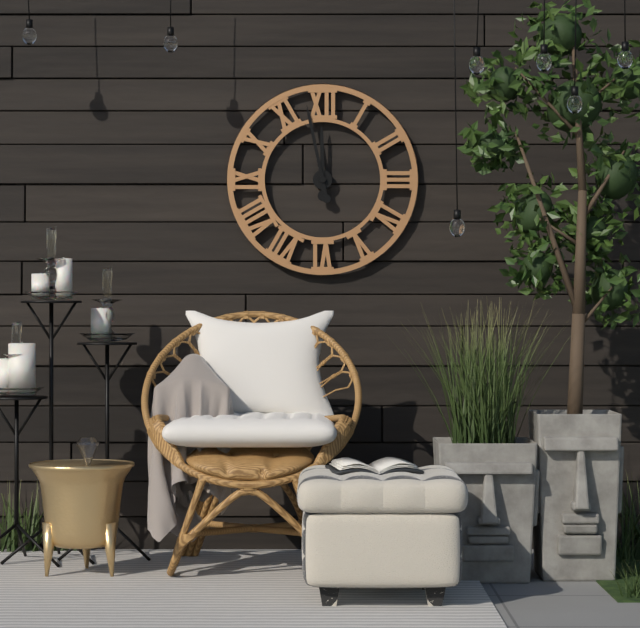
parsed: **11:58**
